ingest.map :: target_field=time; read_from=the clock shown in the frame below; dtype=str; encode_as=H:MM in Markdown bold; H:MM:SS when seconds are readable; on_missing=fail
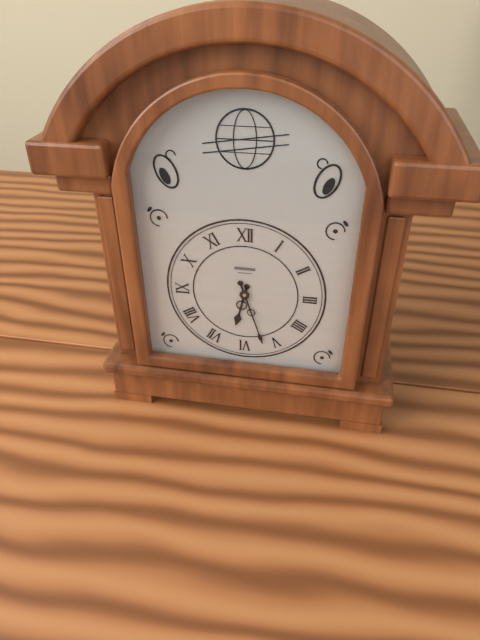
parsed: **6:27**
